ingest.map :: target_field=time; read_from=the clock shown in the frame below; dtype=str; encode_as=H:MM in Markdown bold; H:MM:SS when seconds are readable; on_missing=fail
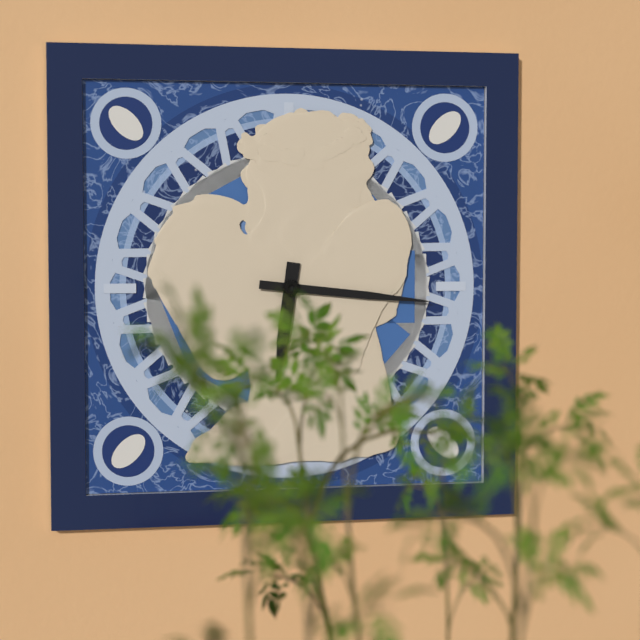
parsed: **6:16**
